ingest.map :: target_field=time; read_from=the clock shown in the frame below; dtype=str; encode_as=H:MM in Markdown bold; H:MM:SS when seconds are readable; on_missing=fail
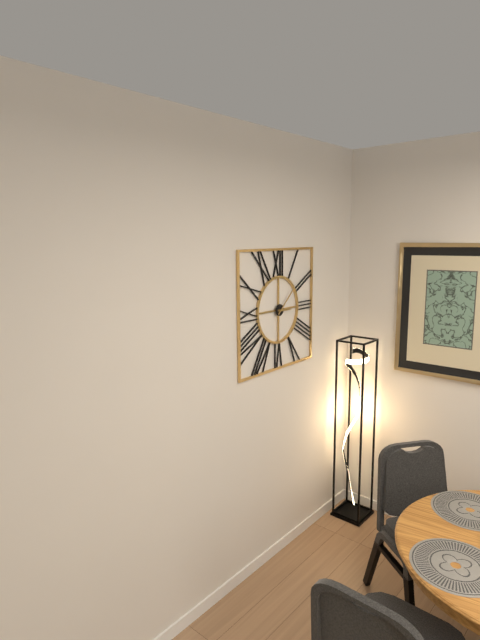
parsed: **3:08**
